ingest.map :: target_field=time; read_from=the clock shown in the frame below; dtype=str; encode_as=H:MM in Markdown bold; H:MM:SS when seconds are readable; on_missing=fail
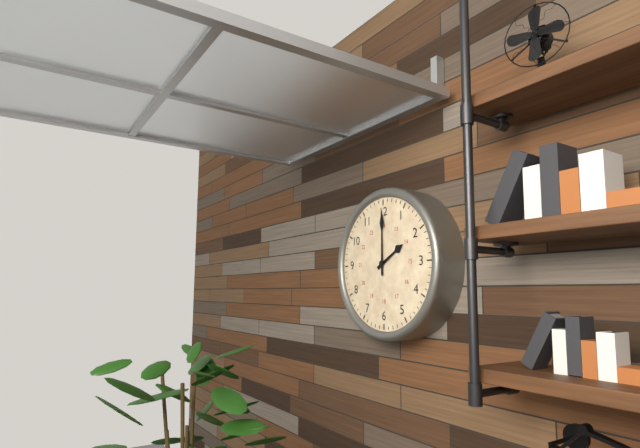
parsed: **2:00**
